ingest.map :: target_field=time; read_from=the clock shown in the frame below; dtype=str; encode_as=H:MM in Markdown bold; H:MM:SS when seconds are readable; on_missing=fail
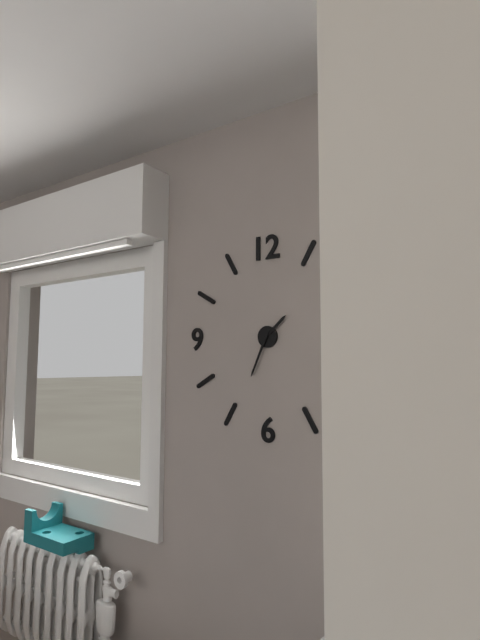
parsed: **1:34**
